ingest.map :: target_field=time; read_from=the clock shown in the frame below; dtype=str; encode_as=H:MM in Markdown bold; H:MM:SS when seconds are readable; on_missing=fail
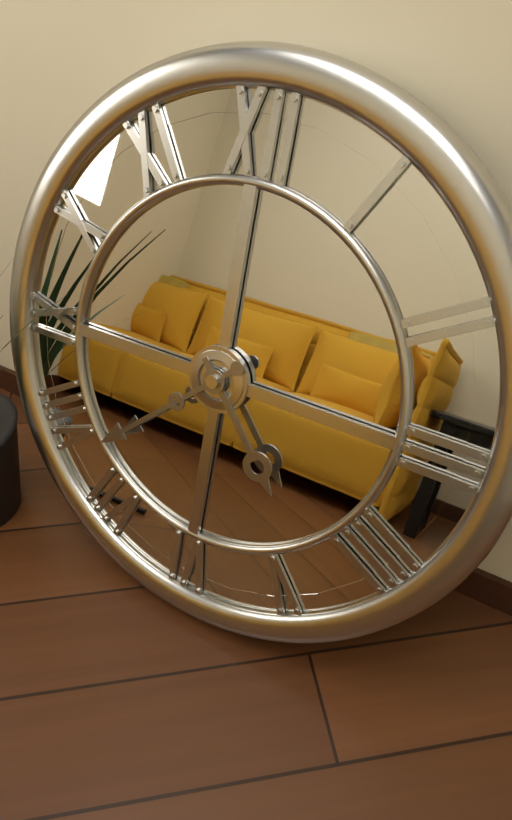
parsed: **4:38**
